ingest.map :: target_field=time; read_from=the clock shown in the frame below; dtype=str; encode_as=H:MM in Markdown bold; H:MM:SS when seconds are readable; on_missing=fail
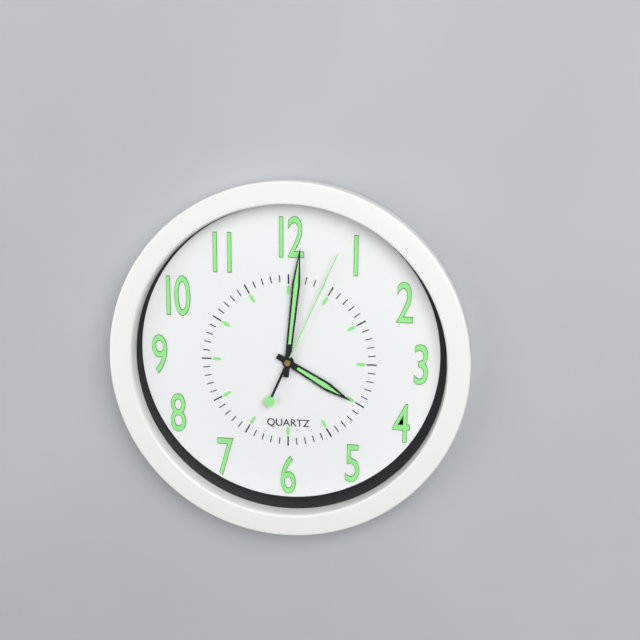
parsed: **4:01:04**
